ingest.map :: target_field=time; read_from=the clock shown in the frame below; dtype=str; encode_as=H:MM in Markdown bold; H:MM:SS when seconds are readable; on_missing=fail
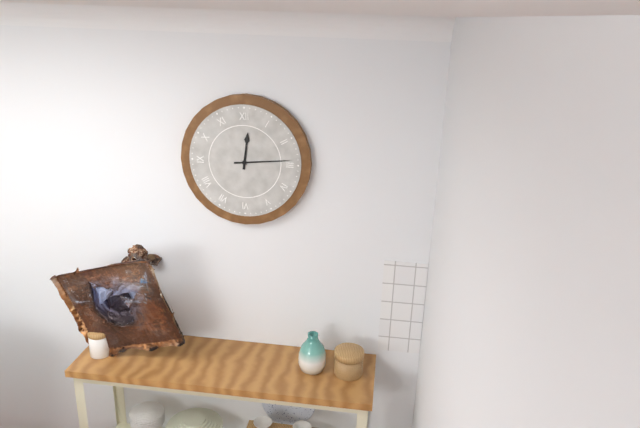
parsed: **12:14**
